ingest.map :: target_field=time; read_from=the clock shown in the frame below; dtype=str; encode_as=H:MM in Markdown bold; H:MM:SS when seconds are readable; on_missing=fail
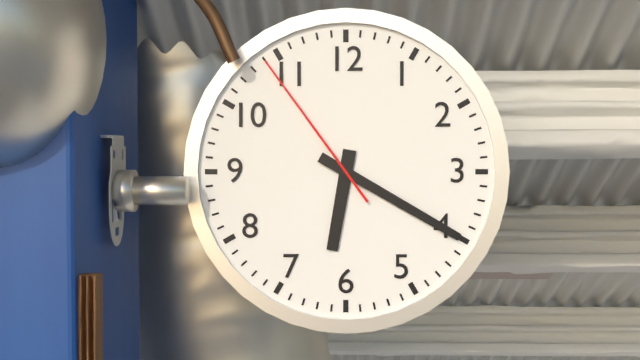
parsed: **6:20:54**
